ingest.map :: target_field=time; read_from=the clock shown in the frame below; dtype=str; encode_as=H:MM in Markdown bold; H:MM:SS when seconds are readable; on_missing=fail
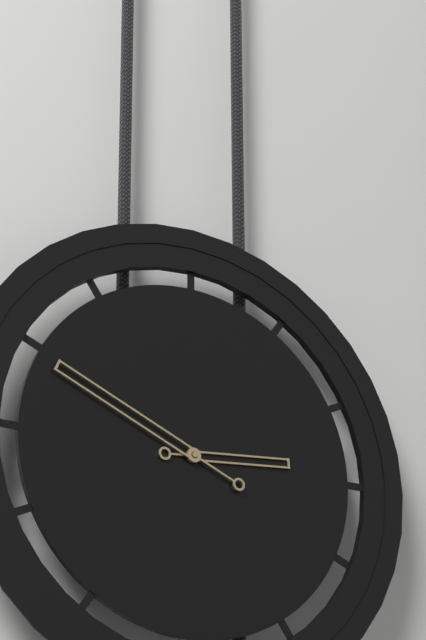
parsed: **2:49**
